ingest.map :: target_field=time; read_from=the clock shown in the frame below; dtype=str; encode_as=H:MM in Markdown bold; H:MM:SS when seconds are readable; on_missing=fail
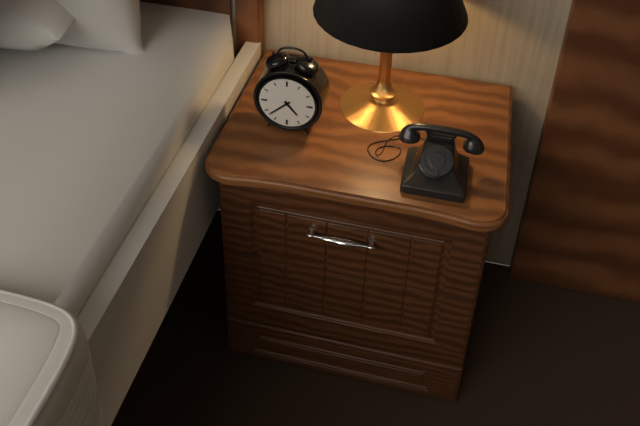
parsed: **4:38**
